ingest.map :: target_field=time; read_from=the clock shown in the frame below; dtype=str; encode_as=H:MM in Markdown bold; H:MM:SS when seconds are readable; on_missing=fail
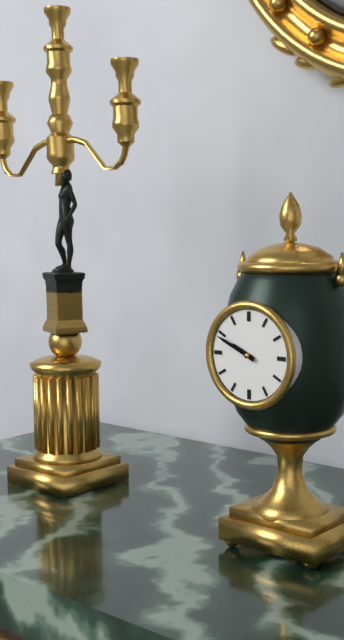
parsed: **9:49**
